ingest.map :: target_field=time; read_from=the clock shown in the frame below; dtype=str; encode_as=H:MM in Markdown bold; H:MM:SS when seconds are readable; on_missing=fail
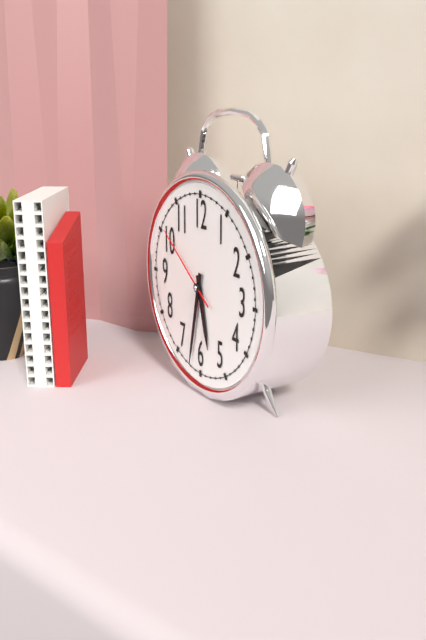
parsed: **5:32:51**
